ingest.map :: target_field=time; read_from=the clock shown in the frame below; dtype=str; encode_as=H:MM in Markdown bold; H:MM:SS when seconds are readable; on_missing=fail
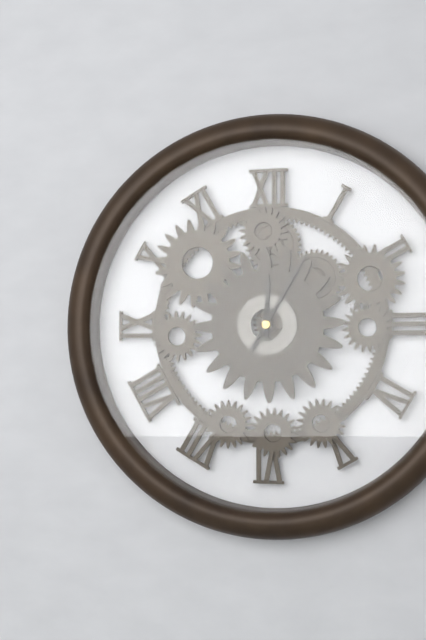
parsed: **12:05**
